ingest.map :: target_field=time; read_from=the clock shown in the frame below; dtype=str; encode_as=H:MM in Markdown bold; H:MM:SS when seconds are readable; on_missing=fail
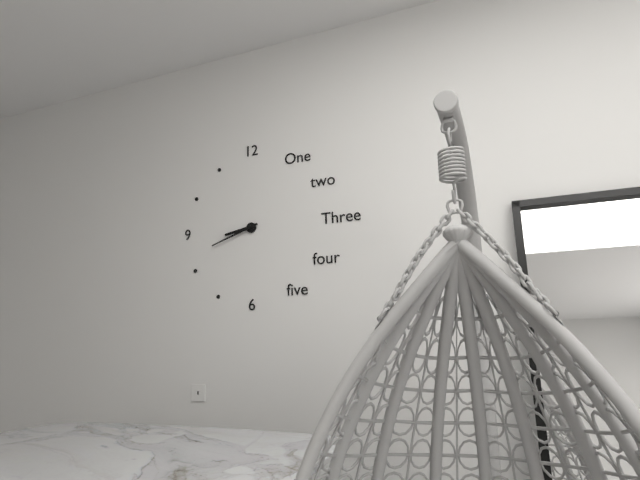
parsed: **8:42**
